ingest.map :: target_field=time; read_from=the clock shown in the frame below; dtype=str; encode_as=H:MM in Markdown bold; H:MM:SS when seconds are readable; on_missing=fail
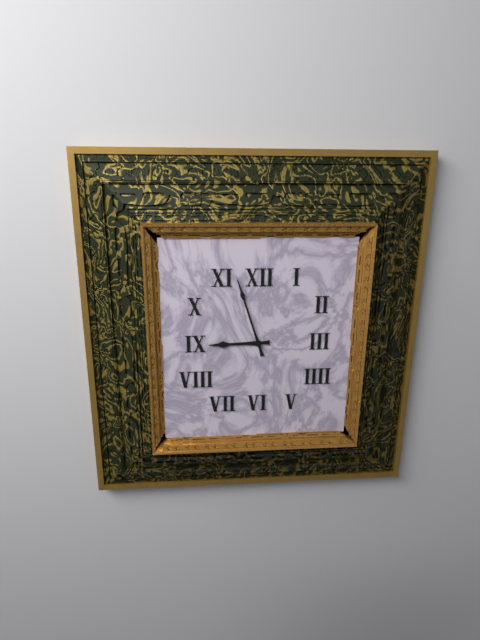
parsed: **8:57**
